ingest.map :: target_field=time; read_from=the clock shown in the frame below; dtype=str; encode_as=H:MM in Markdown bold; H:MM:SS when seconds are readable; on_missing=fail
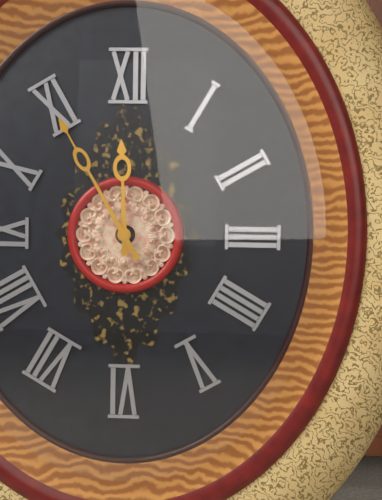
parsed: **11:55**
